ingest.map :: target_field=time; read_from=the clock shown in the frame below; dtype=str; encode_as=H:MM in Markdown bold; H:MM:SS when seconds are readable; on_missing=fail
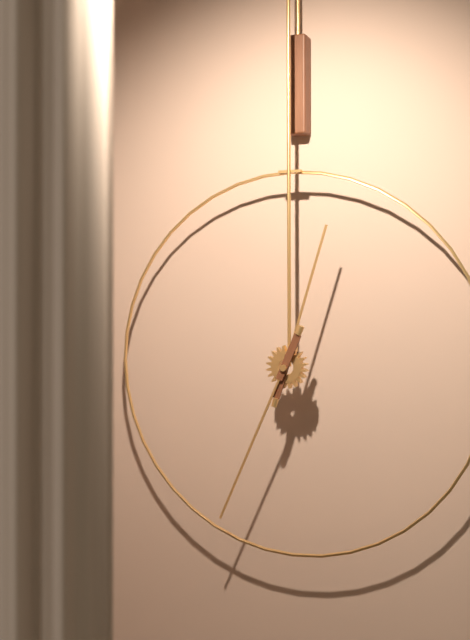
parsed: **12:34**
